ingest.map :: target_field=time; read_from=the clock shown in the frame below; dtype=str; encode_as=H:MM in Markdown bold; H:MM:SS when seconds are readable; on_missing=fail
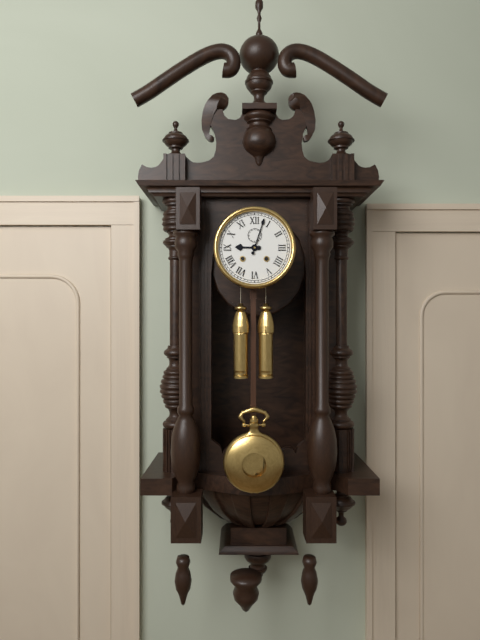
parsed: **9:03**
